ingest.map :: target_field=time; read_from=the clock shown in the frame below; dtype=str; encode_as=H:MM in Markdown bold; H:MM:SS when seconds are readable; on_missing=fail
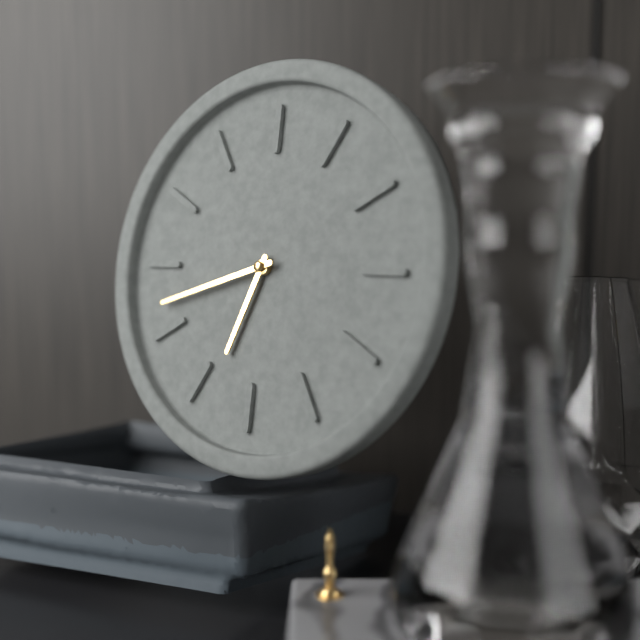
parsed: **6:42**
